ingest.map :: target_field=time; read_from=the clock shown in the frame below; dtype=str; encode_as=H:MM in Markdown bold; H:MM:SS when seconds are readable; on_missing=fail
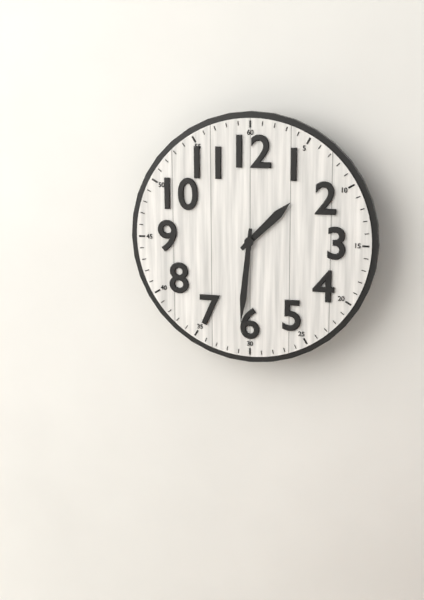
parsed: **1:31**
